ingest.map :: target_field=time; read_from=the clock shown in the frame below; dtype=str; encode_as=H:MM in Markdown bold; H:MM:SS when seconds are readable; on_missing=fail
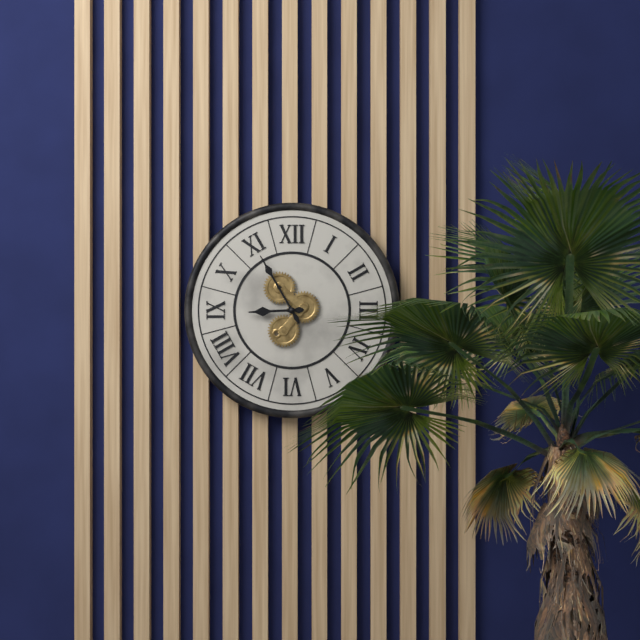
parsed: **8:55**
